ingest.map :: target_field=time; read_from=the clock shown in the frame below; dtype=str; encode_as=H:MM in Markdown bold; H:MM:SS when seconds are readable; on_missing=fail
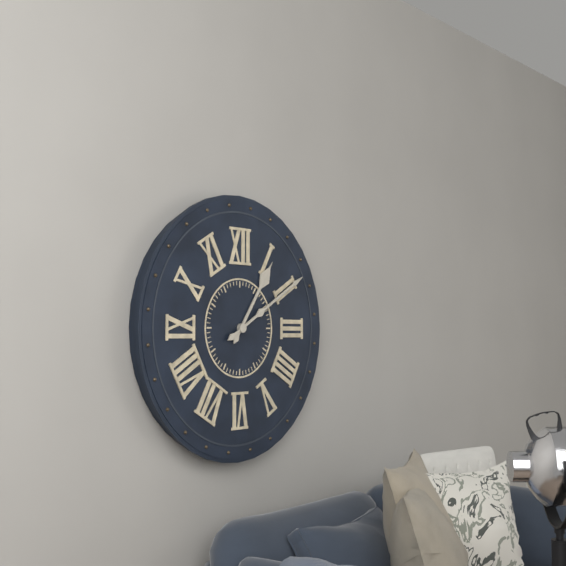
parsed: **1:10**
